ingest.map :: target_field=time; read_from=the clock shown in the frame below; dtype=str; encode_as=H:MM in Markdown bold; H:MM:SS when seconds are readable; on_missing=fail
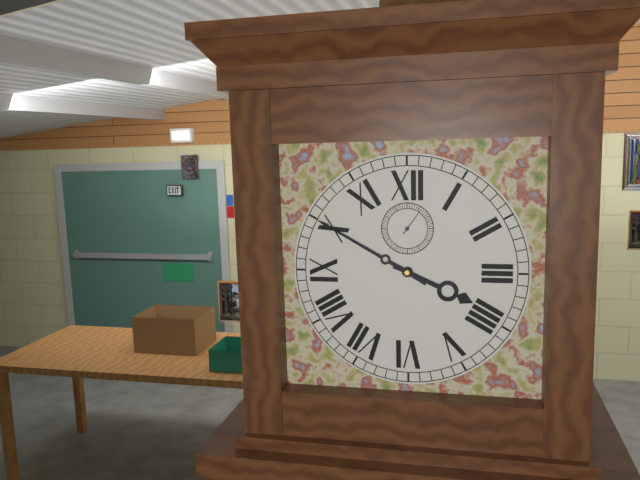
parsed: **3:50**
